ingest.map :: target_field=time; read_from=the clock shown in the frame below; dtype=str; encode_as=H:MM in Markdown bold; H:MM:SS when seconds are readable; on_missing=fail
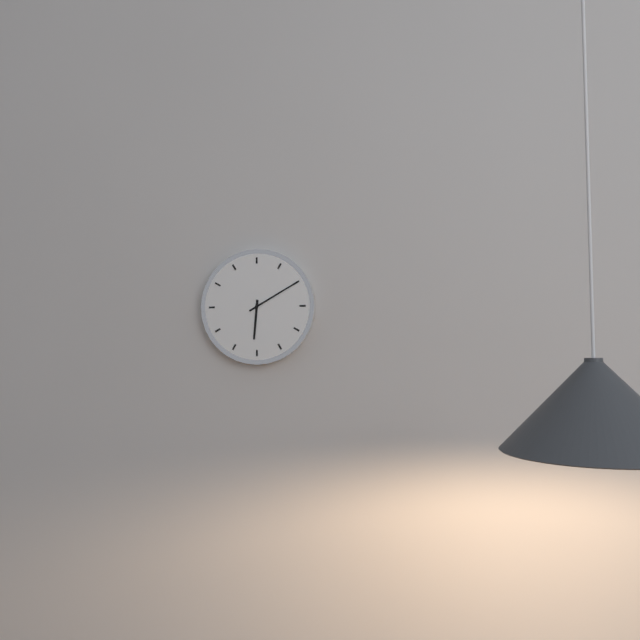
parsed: **6:10**
